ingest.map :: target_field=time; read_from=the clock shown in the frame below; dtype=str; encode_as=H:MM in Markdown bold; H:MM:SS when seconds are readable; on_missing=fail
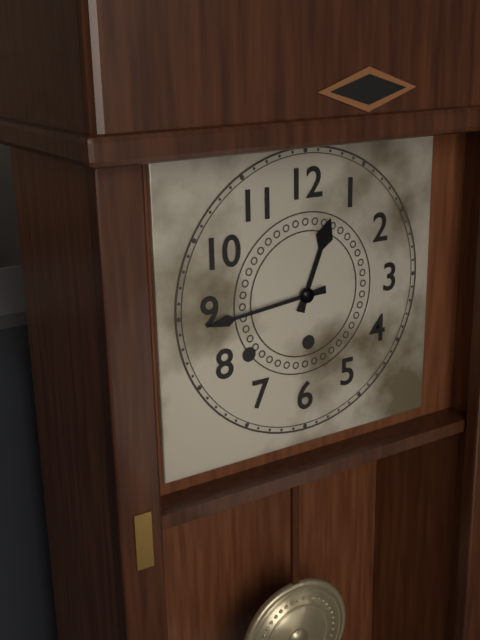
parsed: **12:44**
